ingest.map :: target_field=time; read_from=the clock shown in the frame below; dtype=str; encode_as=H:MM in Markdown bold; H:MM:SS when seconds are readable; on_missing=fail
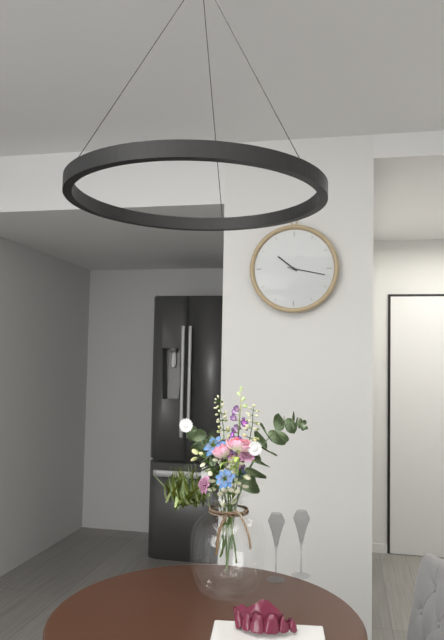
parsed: **10:17**
